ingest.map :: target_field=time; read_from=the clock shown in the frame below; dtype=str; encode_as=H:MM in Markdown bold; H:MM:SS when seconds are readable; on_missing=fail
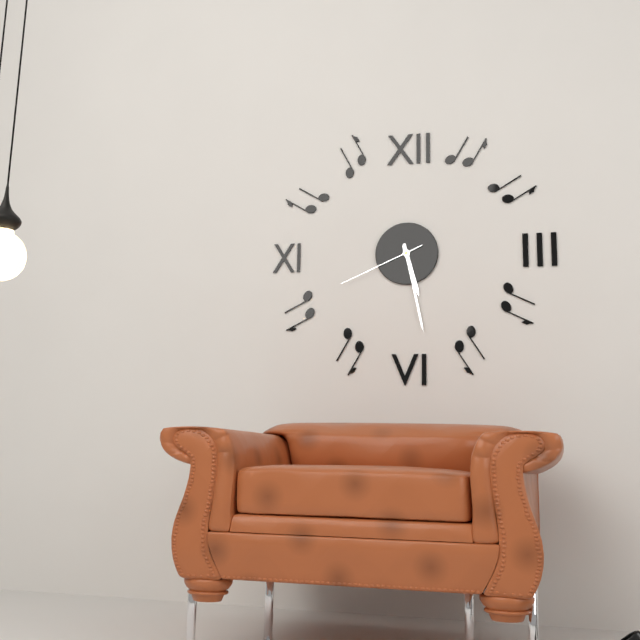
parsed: **5:28:41**
